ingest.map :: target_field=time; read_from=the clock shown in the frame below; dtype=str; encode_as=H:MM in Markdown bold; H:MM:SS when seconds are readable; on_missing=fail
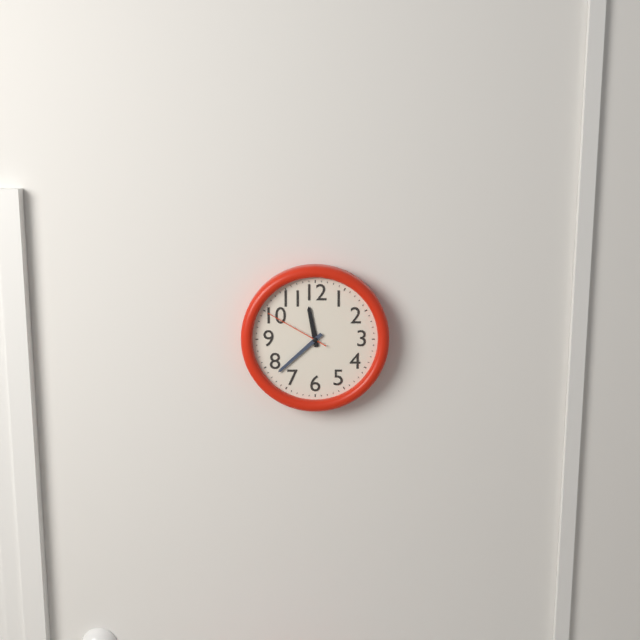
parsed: **11:38:50**
